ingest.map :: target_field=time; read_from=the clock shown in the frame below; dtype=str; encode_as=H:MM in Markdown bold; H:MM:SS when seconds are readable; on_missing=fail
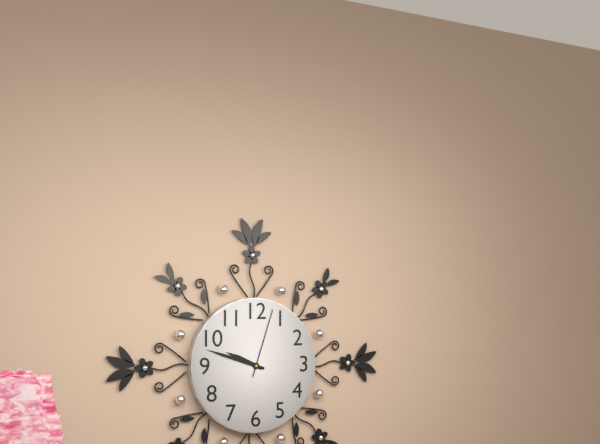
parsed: **9:48:03**
